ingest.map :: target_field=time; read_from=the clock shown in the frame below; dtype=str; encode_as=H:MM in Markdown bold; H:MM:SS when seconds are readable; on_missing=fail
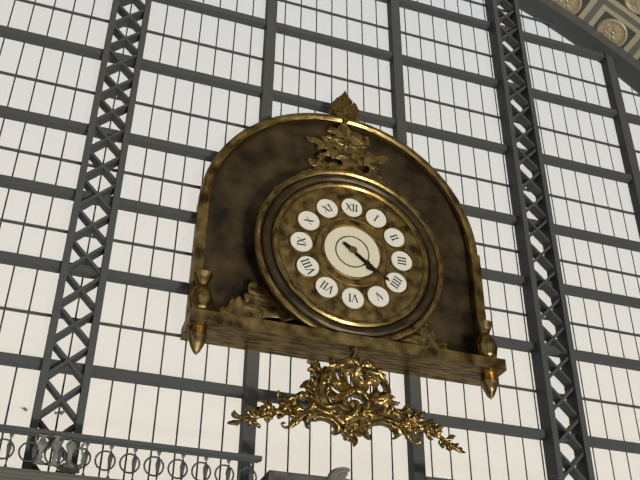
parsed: **4:21**
